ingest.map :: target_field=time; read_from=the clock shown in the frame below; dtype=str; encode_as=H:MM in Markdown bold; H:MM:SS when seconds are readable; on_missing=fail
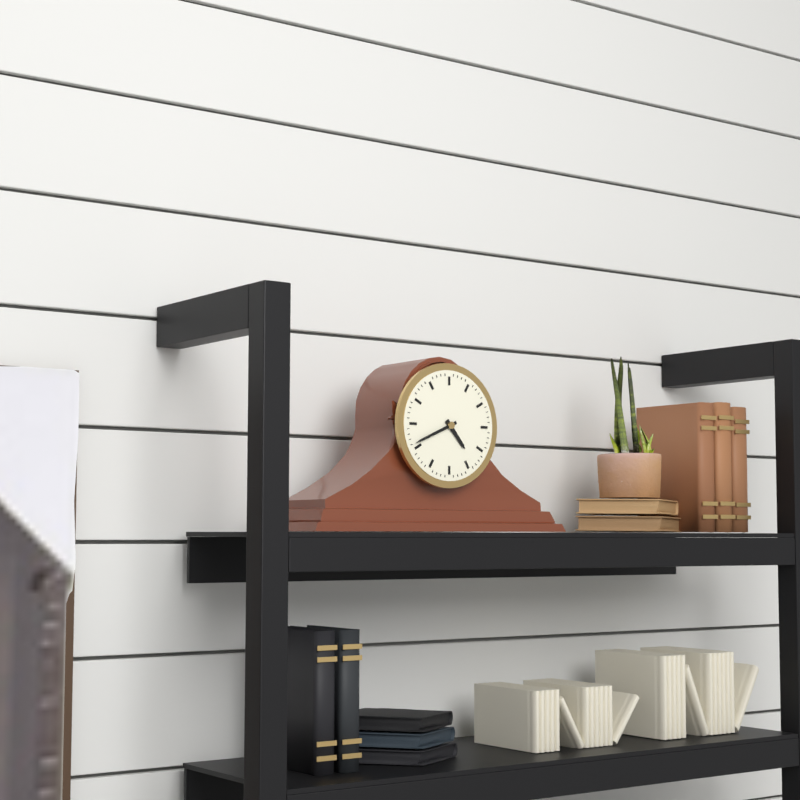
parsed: **4:41**
